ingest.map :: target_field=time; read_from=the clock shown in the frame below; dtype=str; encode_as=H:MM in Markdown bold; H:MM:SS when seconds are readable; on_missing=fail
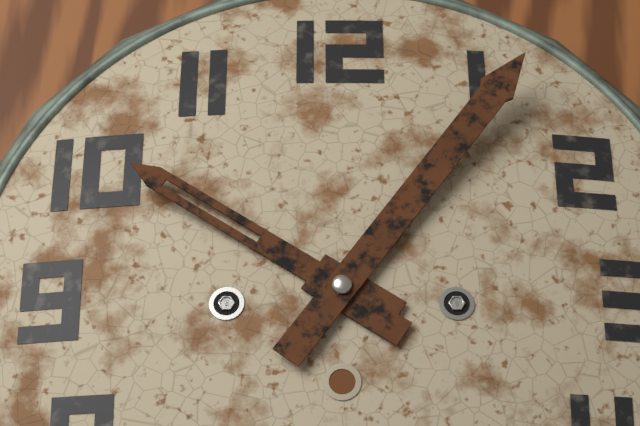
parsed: **10:06**
